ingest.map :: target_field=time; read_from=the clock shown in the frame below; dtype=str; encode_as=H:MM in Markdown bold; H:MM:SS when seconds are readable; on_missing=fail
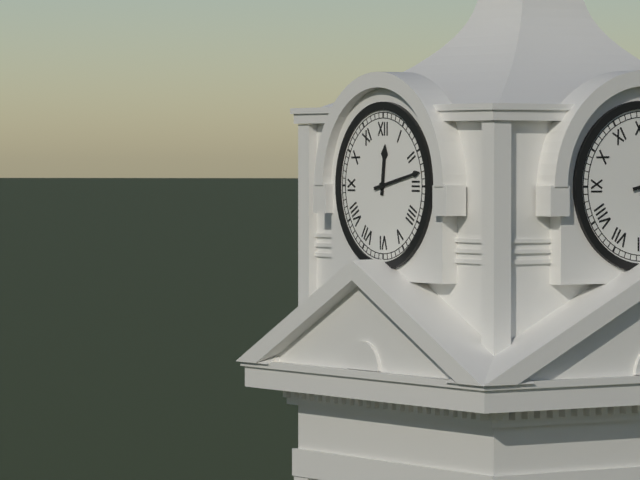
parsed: **12:13**
